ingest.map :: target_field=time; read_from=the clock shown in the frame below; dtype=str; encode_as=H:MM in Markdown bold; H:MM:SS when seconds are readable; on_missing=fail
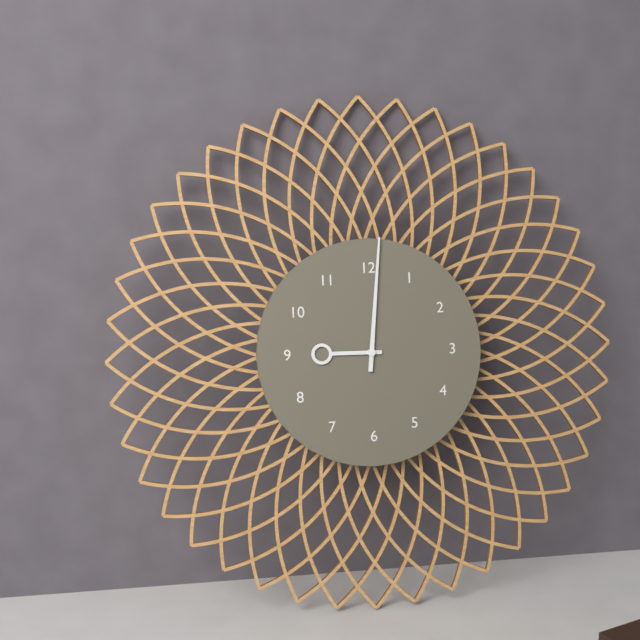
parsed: **9:01**
